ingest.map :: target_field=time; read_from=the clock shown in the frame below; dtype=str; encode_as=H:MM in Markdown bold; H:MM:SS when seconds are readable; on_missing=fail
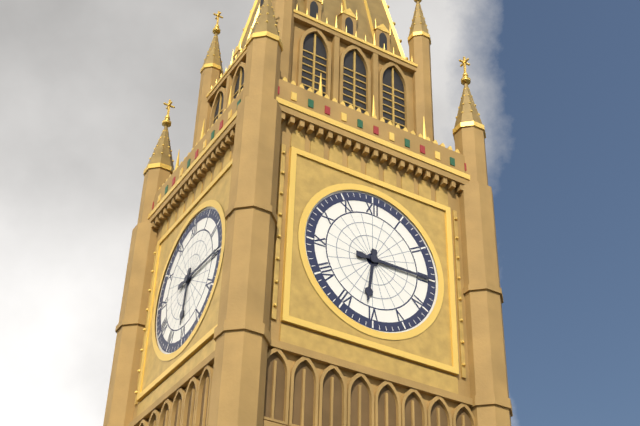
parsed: **6:15**
